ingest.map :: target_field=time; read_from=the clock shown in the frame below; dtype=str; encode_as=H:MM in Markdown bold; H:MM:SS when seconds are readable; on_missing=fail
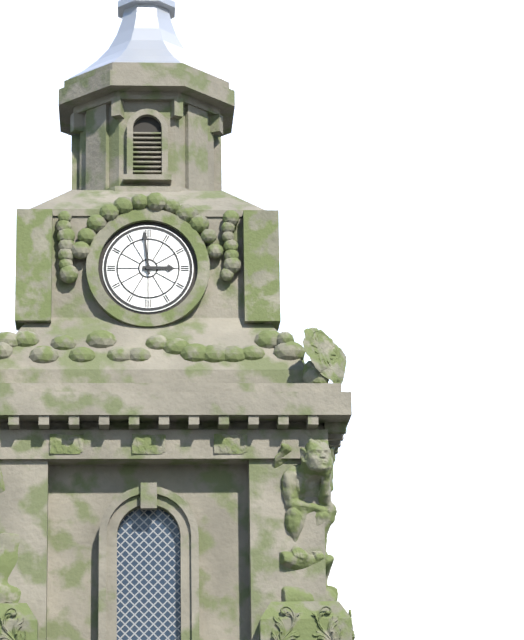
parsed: **2:59**
